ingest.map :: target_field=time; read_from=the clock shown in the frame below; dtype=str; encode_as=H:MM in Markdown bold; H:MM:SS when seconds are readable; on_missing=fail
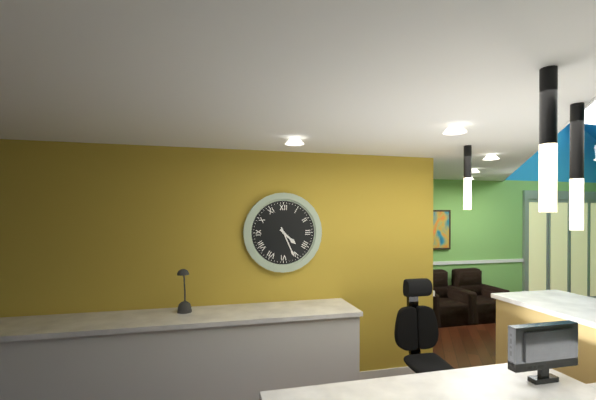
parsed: **4:26**
